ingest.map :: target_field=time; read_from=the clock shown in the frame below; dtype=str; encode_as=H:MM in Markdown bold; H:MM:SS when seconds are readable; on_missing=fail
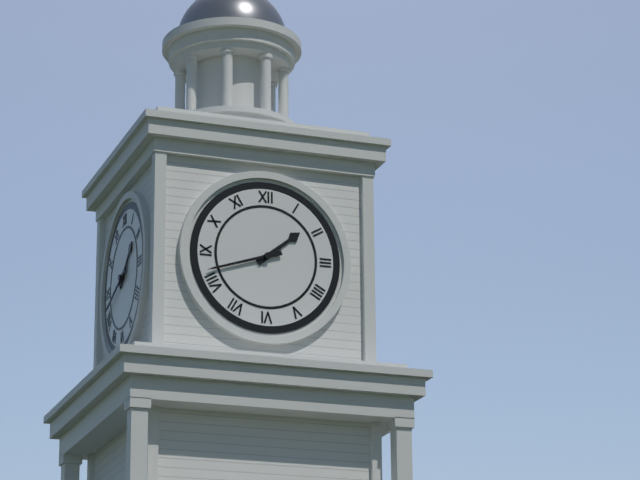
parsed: **1:42**
